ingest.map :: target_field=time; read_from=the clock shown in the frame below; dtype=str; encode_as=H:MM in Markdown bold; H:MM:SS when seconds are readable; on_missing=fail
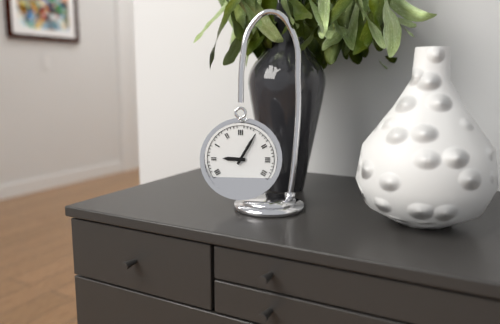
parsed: **9:05**
